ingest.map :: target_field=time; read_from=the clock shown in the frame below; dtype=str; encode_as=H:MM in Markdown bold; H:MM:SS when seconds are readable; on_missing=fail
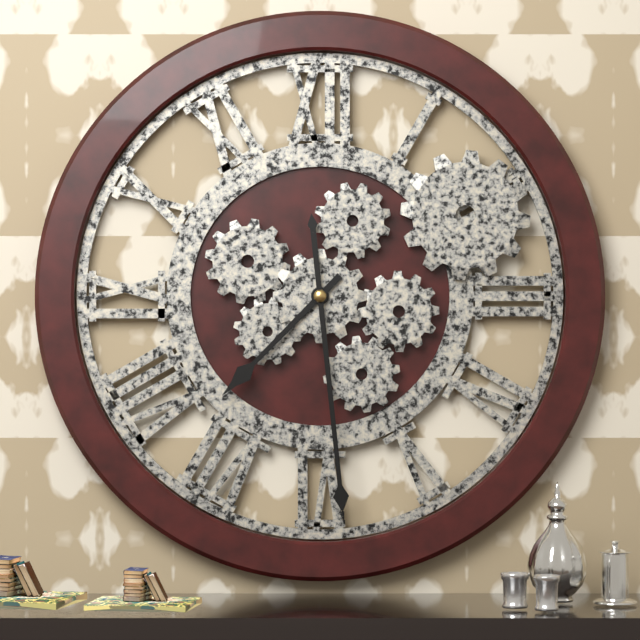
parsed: **7:29**
